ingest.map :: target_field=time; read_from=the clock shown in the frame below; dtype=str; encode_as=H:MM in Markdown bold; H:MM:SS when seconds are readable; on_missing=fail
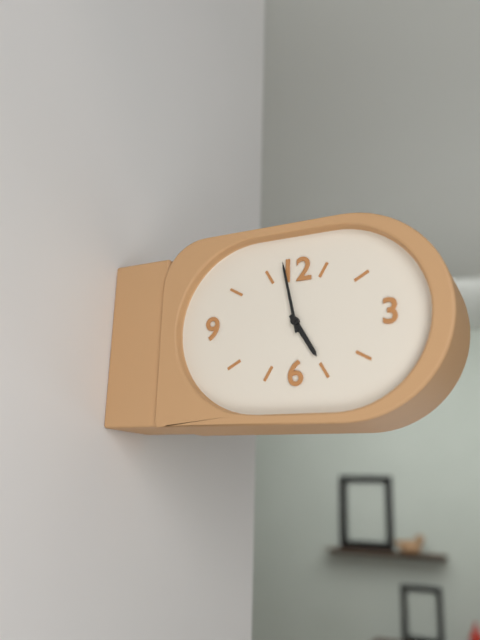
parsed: **4:58**
